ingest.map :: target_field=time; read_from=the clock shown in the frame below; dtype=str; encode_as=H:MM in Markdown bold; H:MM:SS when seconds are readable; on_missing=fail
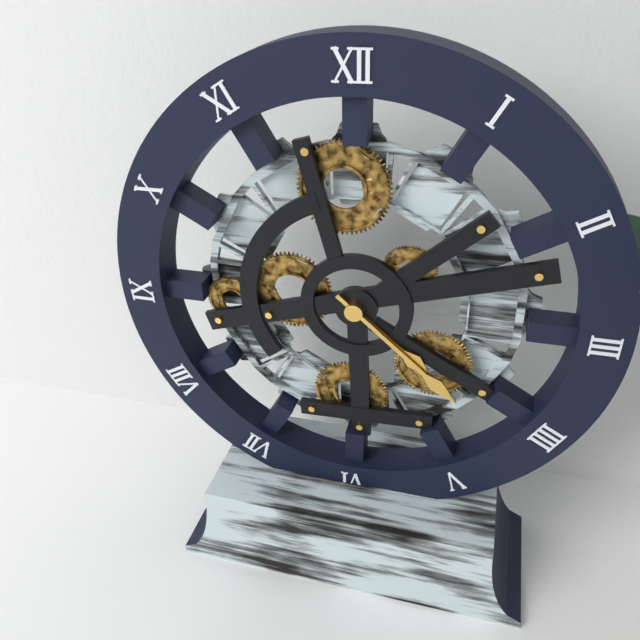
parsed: **4:22**
